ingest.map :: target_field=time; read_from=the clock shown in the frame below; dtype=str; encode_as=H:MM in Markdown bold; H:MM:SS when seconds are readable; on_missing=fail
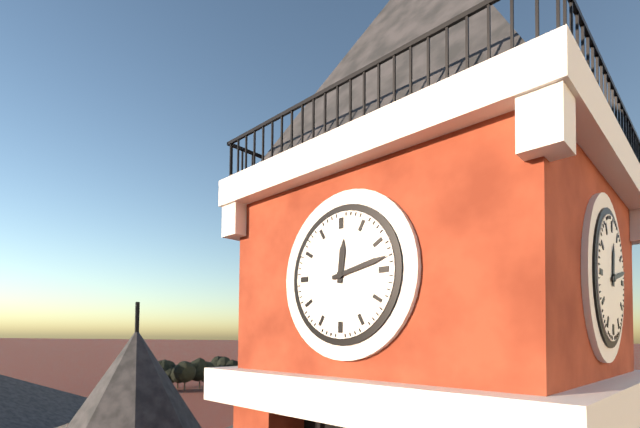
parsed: **12:13**
